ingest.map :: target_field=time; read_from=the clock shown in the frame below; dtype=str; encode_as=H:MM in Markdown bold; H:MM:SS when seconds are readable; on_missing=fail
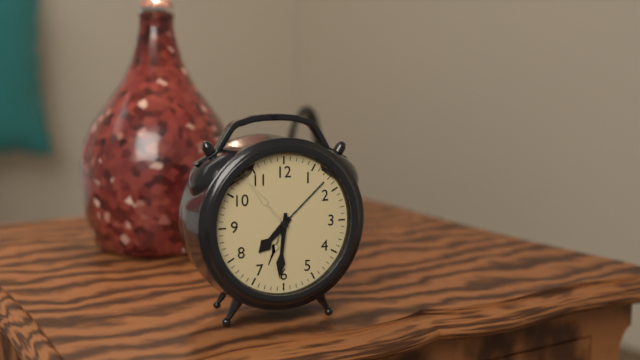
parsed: **7:31**
